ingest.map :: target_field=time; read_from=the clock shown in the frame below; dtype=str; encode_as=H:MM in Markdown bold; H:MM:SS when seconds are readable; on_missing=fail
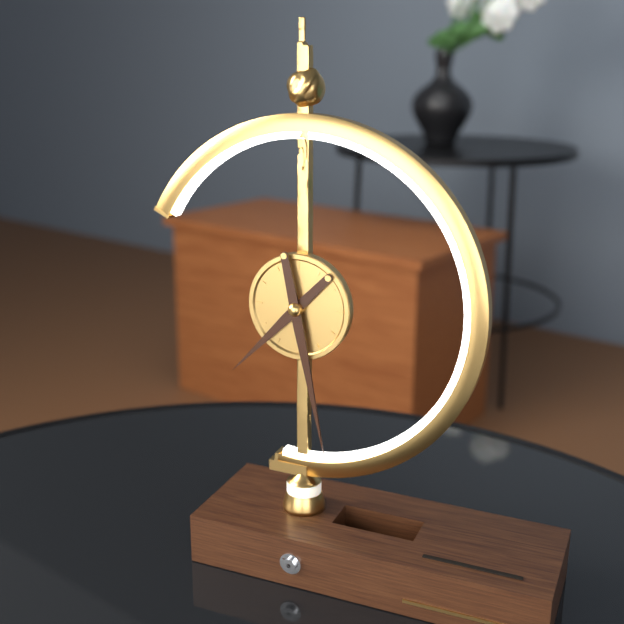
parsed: **7:28**
